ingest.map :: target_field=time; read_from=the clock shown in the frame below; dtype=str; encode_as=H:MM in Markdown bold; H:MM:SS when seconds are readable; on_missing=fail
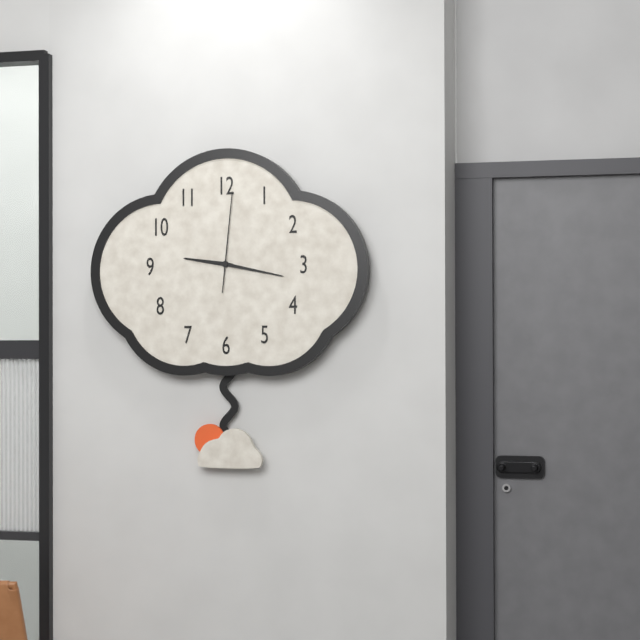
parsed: **9:17:01**
